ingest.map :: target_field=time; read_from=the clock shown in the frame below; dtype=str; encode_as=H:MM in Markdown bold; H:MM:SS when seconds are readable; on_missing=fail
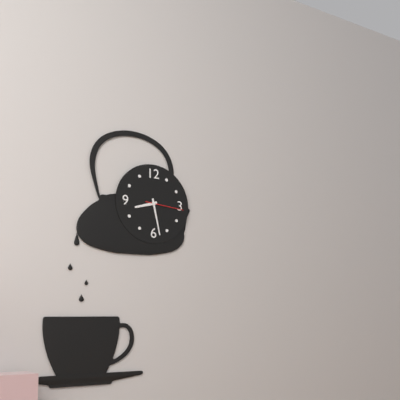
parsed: **8:28**
